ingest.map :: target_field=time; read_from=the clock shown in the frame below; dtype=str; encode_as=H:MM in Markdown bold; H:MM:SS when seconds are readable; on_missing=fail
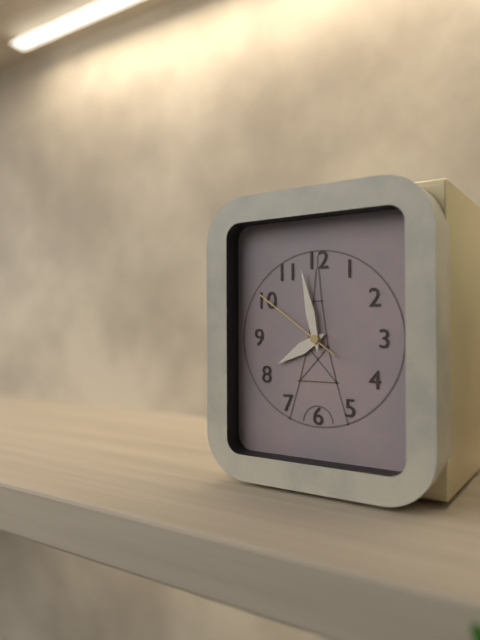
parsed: **7:58:51**
